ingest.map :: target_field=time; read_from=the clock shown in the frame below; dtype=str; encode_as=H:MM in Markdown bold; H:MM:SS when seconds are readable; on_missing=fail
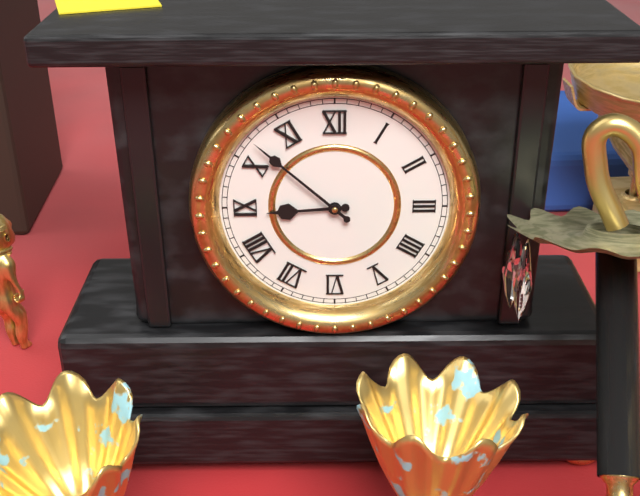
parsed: **8:52**
